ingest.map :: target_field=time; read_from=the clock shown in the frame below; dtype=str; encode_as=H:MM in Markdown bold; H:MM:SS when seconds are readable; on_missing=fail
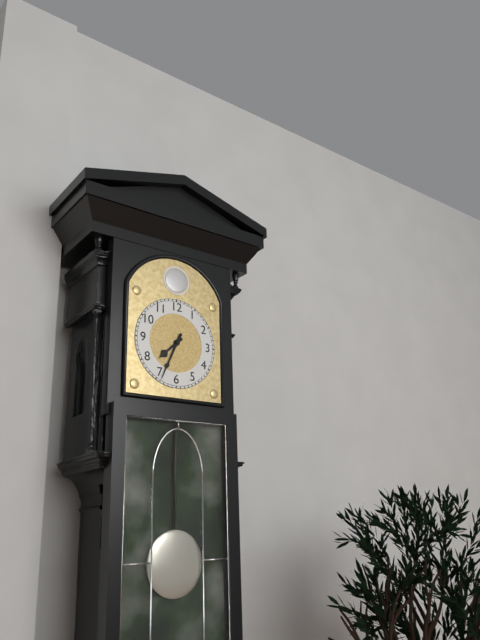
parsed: **7:34**
